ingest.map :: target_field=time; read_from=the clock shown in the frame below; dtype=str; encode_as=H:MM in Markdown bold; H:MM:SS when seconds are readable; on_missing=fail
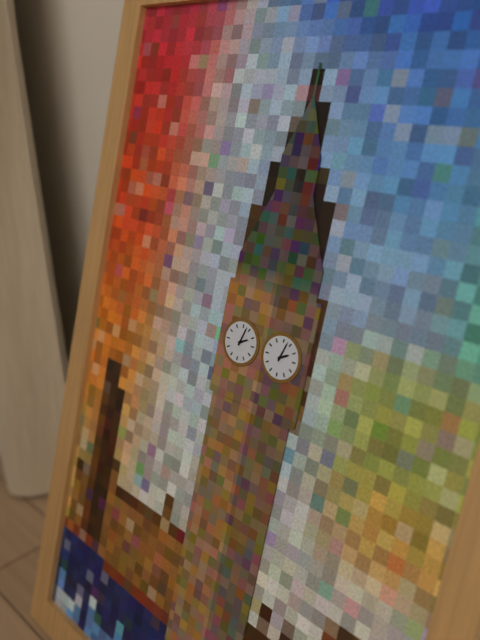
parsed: **2:03**
